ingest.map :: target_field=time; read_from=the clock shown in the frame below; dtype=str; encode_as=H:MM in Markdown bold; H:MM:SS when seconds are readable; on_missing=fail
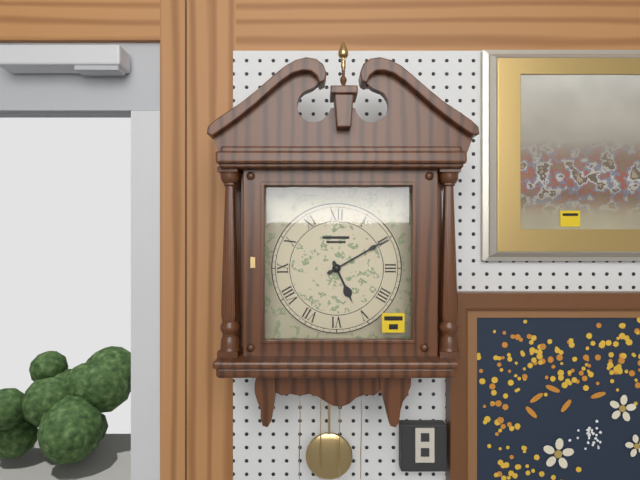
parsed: **5:10**
